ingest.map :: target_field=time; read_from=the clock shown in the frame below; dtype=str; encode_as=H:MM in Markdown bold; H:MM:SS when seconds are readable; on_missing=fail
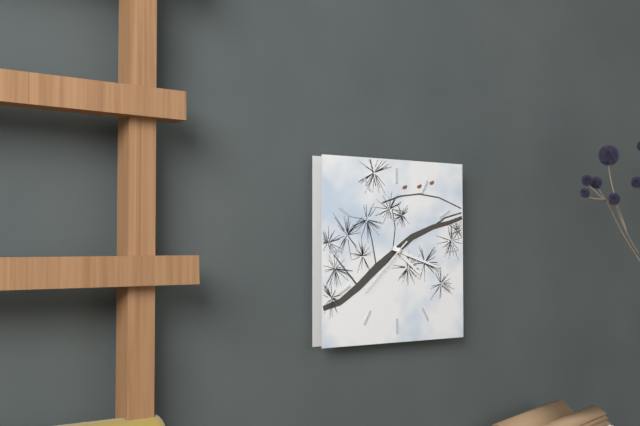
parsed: **4:18:38**
